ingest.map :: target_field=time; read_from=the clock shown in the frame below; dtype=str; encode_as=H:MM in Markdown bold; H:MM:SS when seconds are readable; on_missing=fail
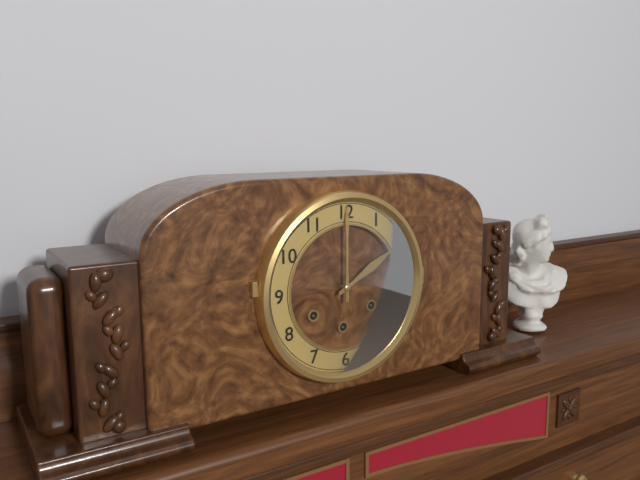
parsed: **2:00**
